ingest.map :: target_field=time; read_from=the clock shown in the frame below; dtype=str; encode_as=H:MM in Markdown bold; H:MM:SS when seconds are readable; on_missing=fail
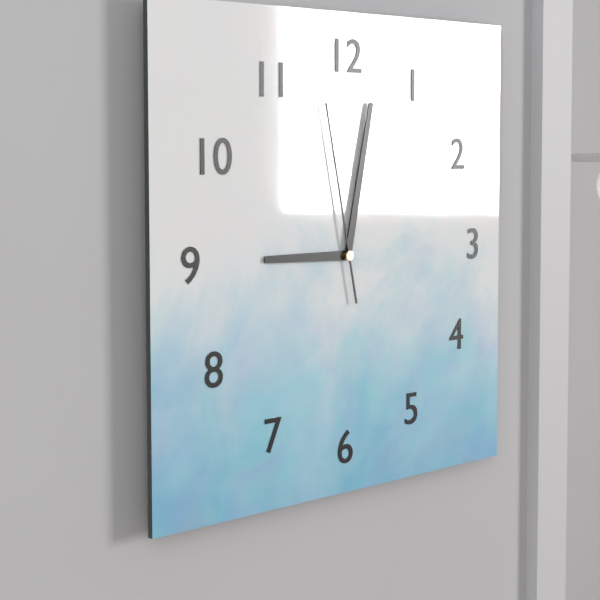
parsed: **9:02:58**
